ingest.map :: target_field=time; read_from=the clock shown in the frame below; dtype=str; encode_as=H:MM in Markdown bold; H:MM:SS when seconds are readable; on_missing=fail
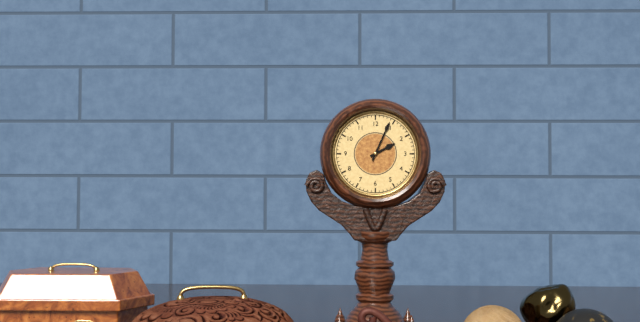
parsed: **2:04**
